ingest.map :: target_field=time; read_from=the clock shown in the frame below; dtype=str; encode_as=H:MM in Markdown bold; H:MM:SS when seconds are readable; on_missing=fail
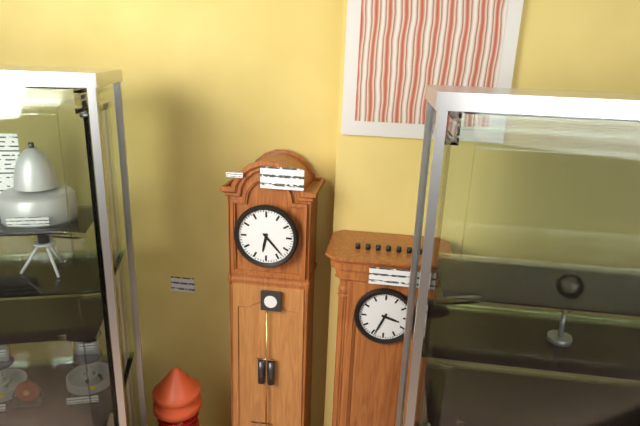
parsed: **6:23**
